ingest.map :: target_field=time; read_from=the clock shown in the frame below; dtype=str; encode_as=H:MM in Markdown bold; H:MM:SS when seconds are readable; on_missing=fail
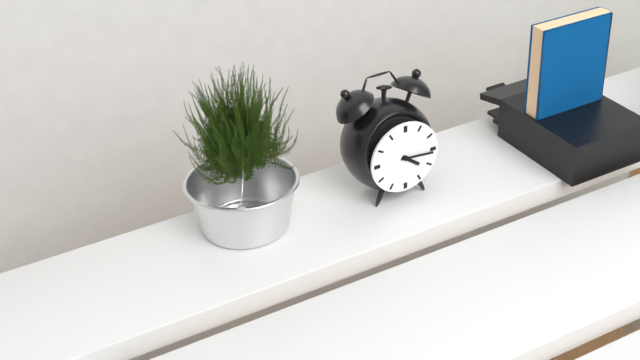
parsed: **4:16**
